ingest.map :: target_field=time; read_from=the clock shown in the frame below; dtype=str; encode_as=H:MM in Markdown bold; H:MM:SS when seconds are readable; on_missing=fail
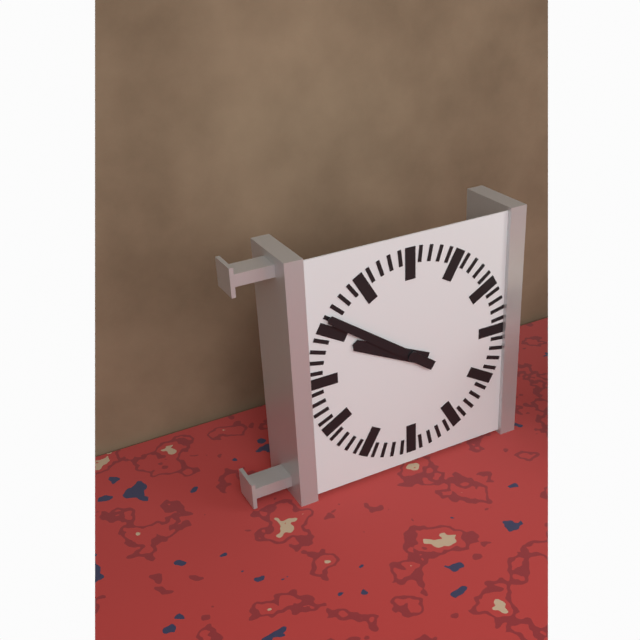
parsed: **9:51**
